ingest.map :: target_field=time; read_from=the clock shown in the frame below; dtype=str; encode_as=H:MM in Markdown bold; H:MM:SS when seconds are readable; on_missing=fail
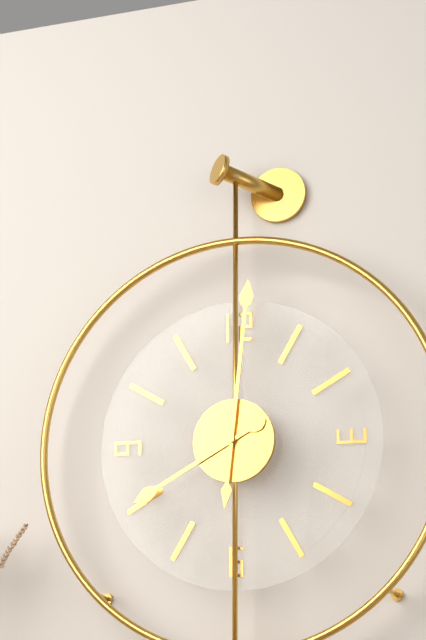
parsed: **8:01**
